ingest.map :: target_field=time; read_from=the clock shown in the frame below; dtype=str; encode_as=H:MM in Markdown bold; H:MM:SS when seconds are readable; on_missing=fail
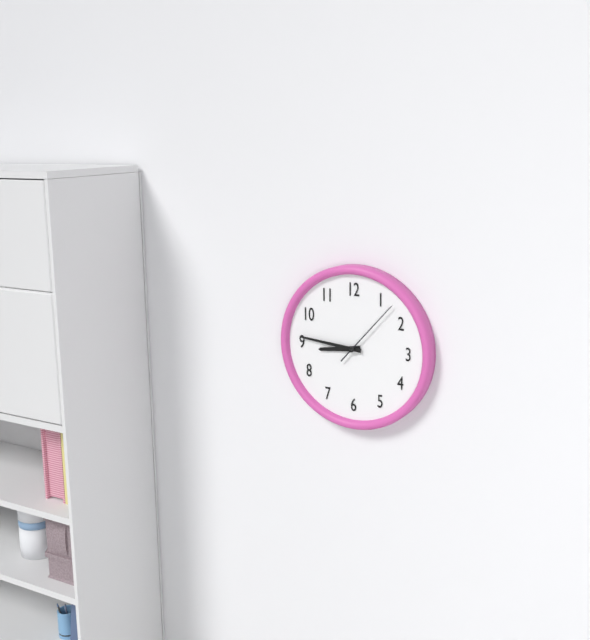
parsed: **8:46:07**
